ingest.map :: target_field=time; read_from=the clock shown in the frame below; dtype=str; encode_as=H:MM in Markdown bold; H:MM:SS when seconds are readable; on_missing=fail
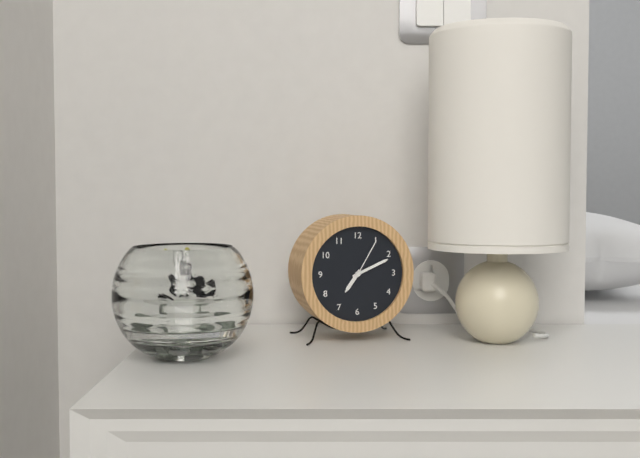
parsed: **7:11**
